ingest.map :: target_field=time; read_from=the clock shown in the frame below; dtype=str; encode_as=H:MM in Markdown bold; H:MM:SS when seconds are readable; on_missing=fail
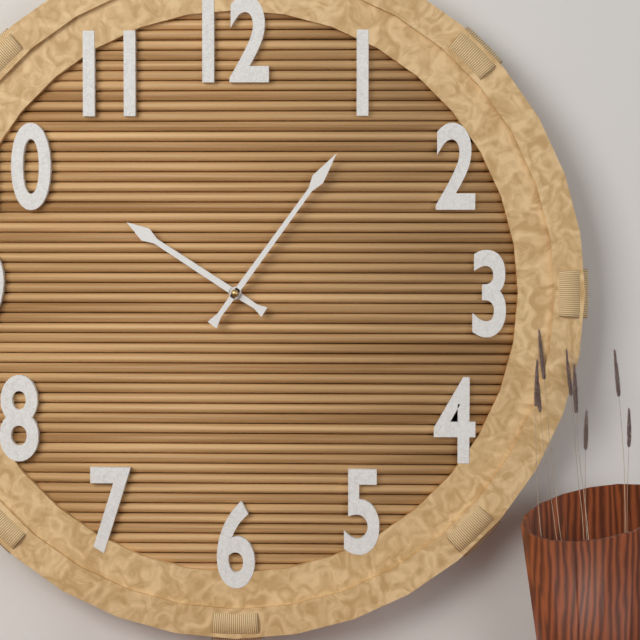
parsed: **10:06**
